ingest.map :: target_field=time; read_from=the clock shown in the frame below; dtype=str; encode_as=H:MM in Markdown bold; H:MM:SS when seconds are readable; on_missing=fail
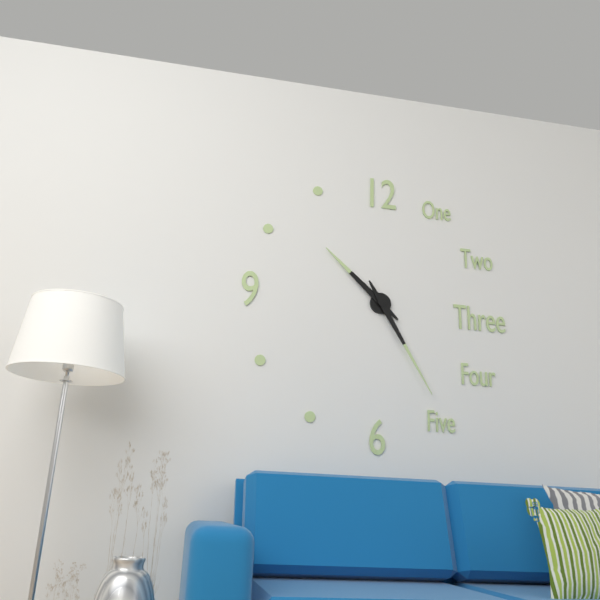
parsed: **10:25**
